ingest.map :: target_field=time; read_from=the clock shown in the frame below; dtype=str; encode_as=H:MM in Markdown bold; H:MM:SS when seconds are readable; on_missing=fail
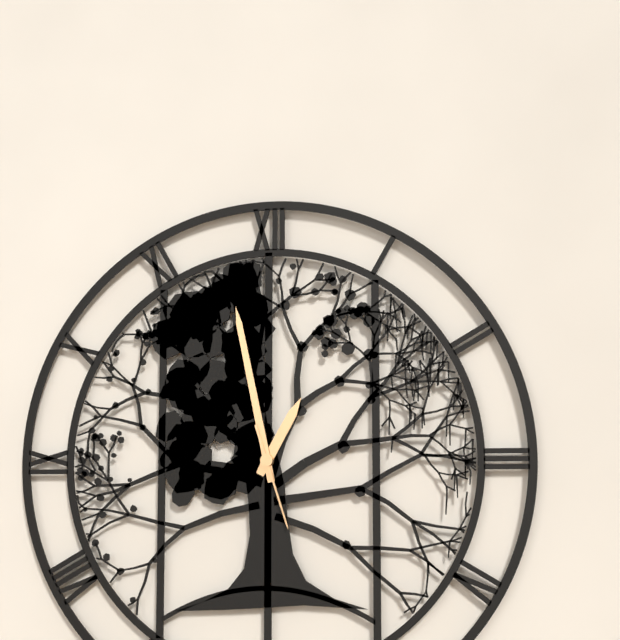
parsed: **12:58:27**
